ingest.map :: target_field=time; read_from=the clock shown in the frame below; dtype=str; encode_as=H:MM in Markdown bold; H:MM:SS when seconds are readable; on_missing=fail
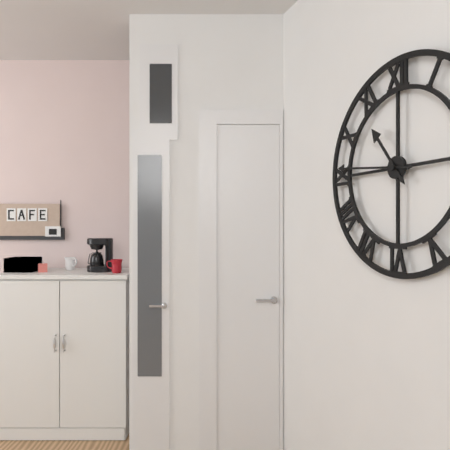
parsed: **10:46**
